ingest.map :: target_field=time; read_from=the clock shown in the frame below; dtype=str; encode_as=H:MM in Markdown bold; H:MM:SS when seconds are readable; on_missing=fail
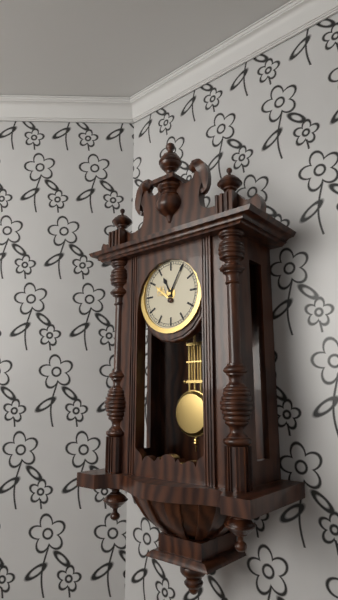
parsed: **11:05**
